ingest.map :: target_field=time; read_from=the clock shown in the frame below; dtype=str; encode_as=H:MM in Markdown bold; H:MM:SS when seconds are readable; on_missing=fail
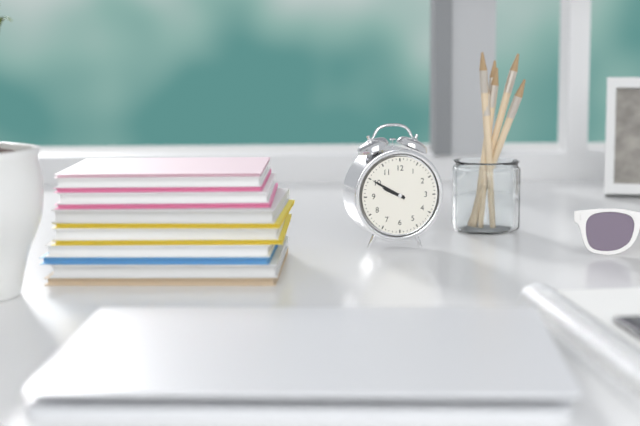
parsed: **9:50**
